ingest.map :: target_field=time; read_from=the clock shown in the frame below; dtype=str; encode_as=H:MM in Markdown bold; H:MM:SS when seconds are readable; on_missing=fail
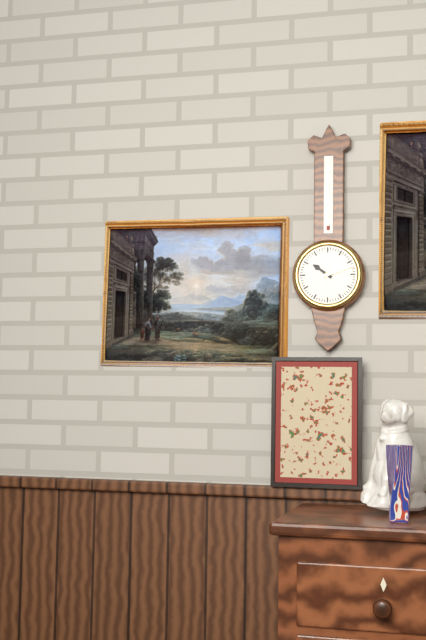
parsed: **10:12**
